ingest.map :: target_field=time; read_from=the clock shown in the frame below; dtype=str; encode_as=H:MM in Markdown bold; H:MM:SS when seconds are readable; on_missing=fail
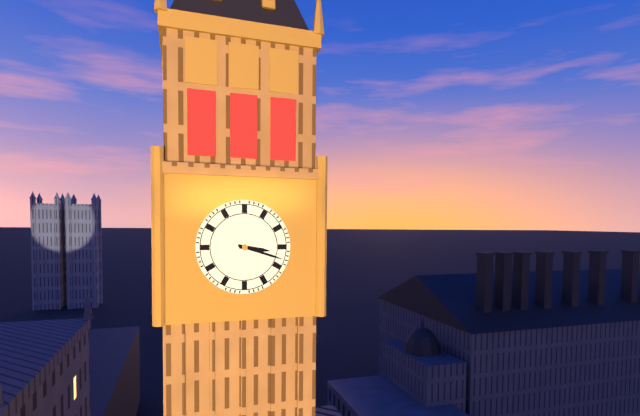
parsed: **3:18**
